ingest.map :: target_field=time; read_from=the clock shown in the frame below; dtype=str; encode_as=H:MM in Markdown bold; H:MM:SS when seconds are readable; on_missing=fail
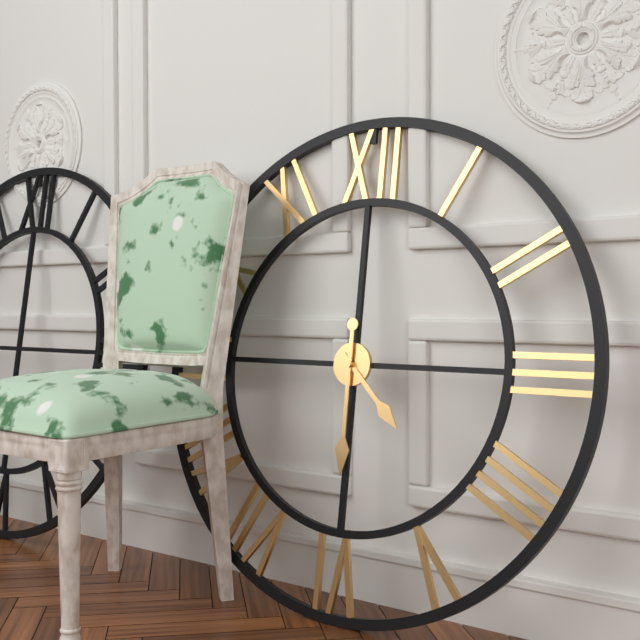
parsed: **4:30**
